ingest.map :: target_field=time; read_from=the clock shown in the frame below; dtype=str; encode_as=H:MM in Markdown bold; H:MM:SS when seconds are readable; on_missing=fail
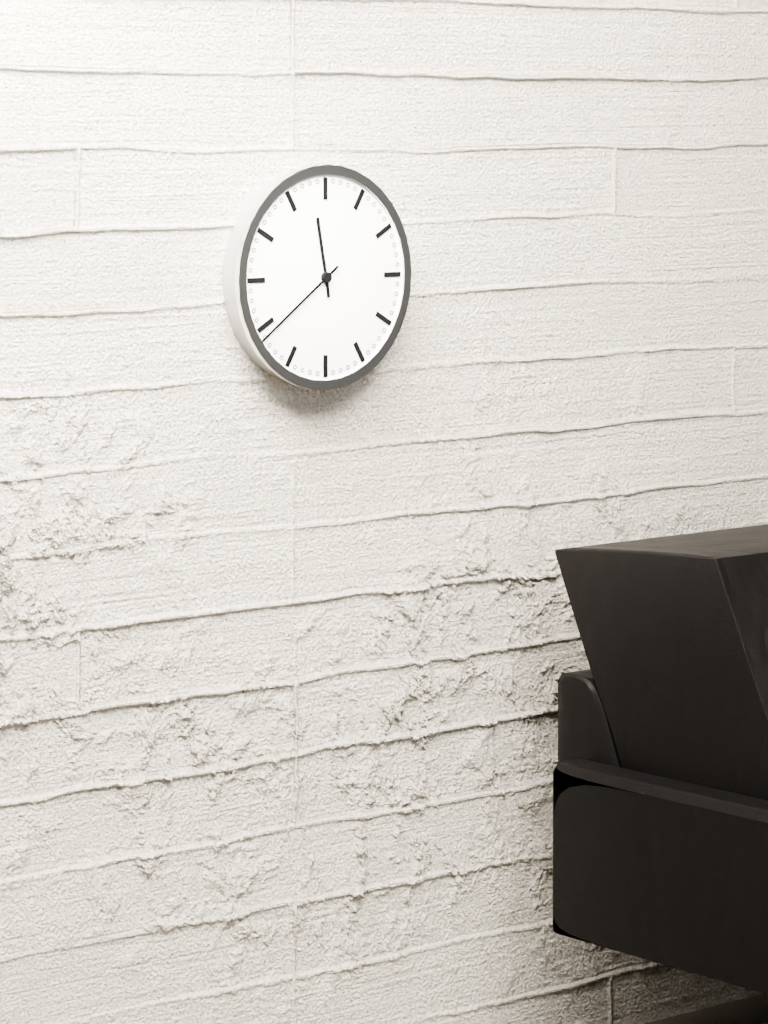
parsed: **11:39**
